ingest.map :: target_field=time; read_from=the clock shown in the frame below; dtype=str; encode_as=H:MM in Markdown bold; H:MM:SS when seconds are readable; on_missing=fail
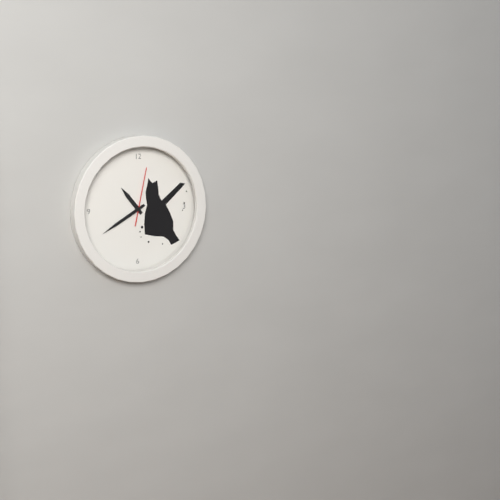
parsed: **10:40:02**
